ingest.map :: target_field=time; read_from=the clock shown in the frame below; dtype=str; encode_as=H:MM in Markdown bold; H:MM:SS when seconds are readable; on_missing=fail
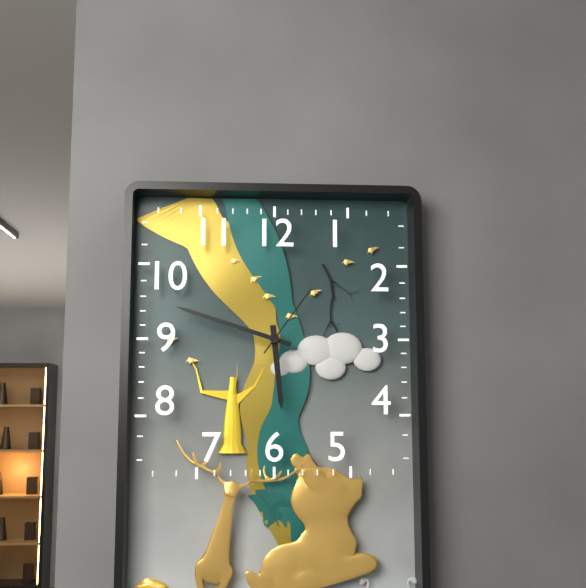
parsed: **5:48:06**
